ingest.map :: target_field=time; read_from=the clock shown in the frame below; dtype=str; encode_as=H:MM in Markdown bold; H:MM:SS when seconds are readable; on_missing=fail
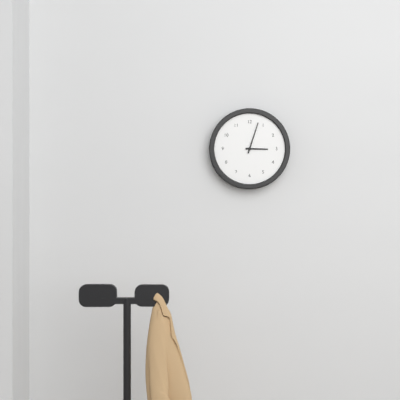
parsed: **3:03**
